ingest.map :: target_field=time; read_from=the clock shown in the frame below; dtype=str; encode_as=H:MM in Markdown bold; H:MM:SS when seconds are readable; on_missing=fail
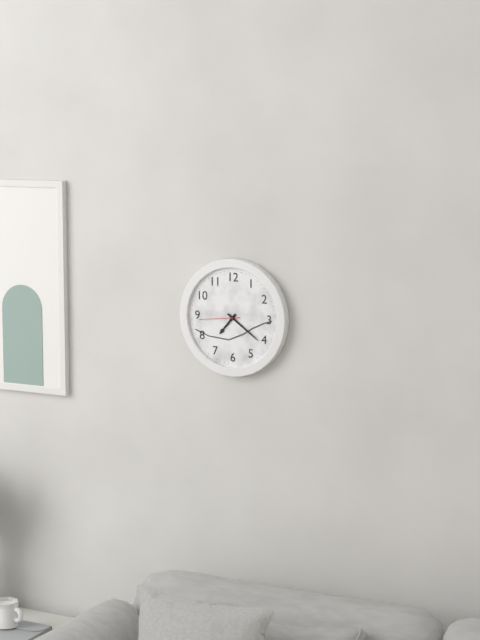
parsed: **7:21**
